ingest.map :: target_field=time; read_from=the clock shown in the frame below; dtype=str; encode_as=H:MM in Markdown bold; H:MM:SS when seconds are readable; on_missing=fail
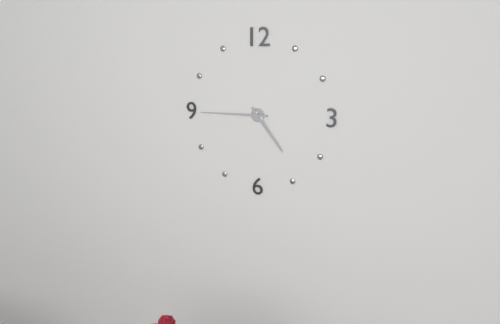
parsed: **4:45**
